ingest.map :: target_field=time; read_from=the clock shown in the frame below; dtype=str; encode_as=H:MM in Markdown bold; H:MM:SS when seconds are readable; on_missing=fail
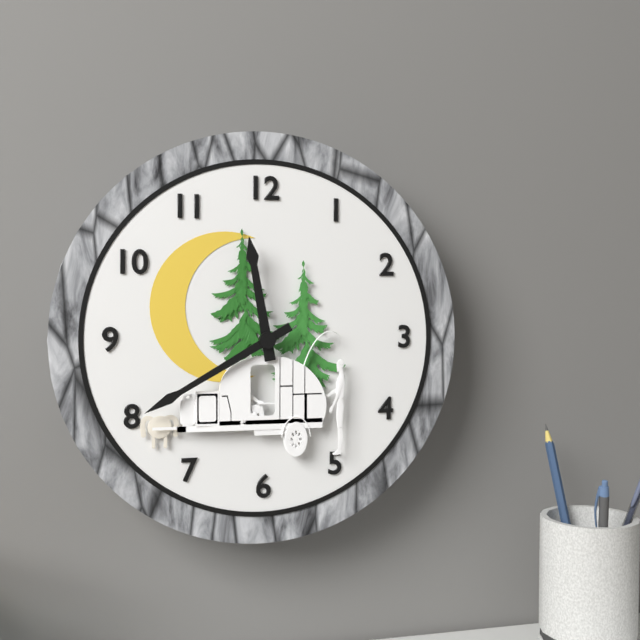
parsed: **11:40**
